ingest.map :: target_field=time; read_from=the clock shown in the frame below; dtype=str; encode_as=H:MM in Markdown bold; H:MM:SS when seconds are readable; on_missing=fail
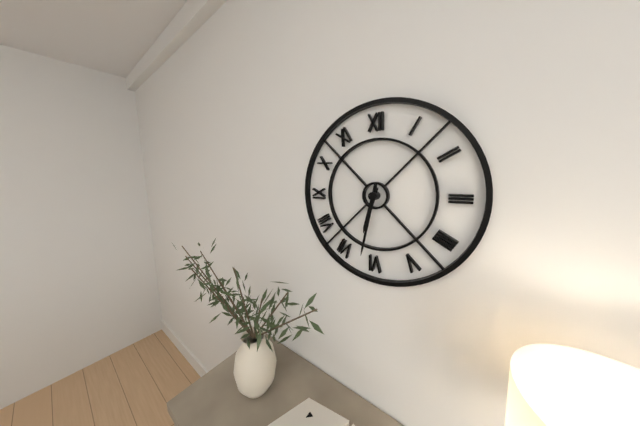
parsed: **6:32**
